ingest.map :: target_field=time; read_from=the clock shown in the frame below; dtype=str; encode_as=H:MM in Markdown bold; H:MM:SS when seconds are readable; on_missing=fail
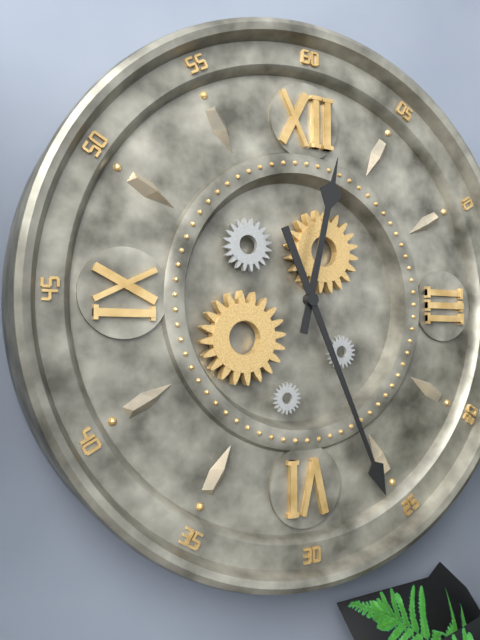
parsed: **12:26**
